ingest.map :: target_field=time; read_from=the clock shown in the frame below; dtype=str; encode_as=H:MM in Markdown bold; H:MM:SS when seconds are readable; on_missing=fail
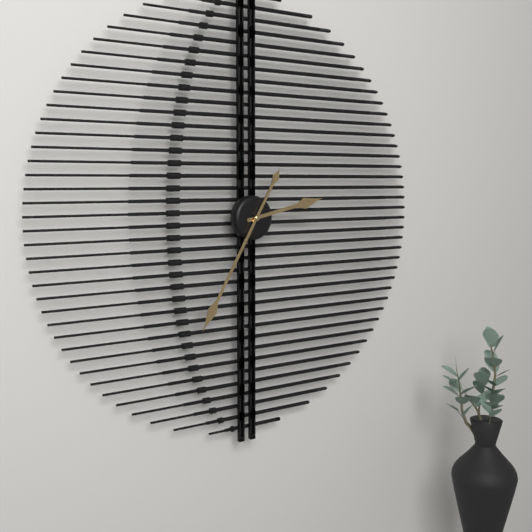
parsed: **2:35**
